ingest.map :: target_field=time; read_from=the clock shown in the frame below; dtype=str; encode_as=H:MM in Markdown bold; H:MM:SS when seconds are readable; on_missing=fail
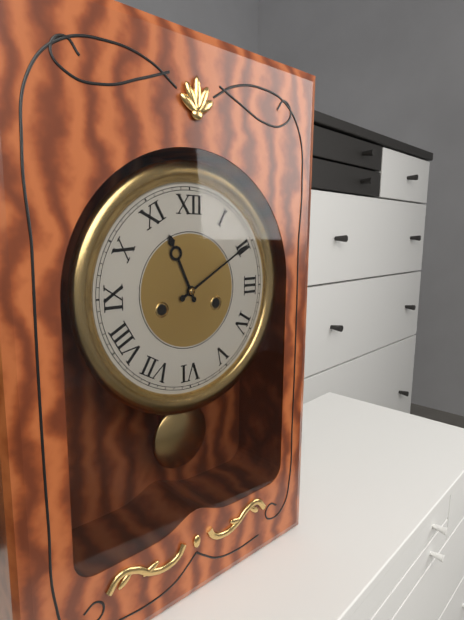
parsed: **11:10**
